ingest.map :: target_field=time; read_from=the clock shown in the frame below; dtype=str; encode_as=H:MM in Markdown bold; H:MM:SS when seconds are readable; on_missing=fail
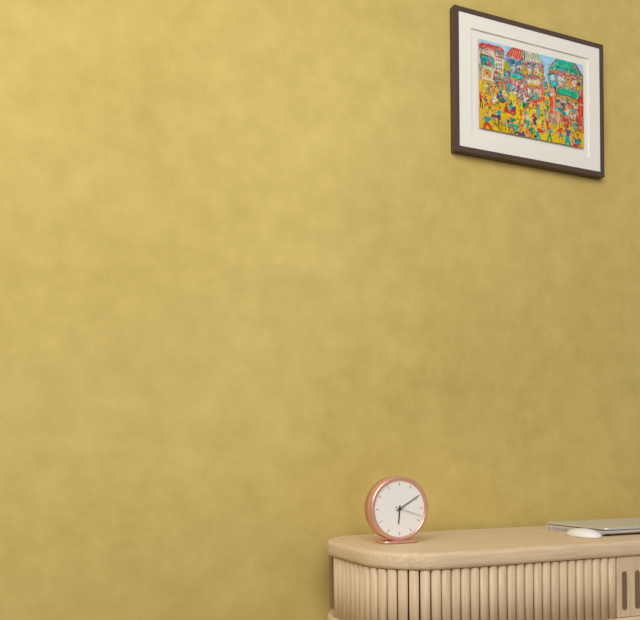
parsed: **6:10**
